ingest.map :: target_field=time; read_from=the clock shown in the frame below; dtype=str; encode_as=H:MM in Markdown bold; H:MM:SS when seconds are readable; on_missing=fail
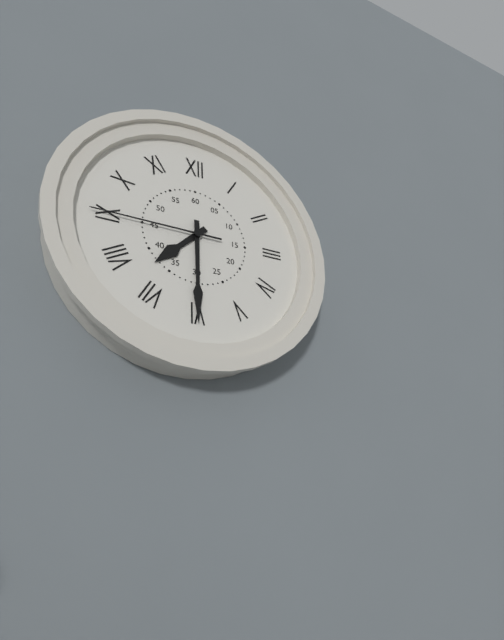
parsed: **7:30:45**
